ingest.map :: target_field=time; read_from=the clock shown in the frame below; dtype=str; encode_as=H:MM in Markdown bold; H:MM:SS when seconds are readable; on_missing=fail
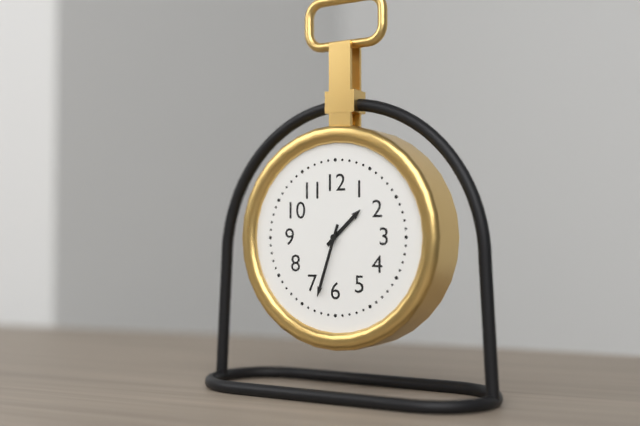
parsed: **1:33**
